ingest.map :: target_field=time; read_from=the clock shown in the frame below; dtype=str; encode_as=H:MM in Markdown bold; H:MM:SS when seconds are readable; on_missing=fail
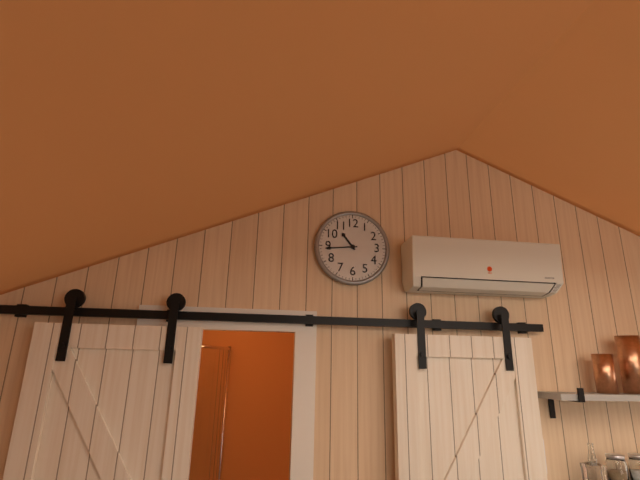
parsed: **10:44**
